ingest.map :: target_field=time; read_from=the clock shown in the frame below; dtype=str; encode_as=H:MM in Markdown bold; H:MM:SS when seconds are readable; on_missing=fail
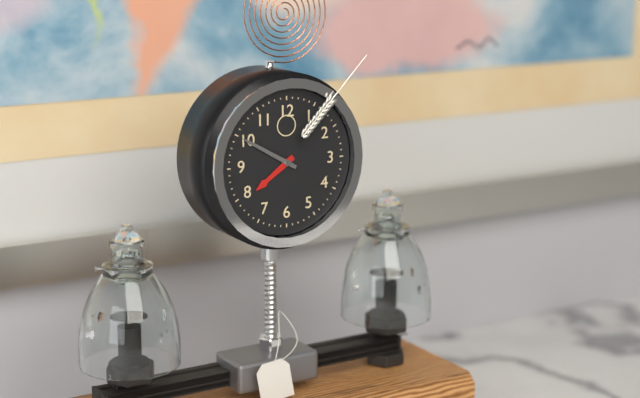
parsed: **7:50**
